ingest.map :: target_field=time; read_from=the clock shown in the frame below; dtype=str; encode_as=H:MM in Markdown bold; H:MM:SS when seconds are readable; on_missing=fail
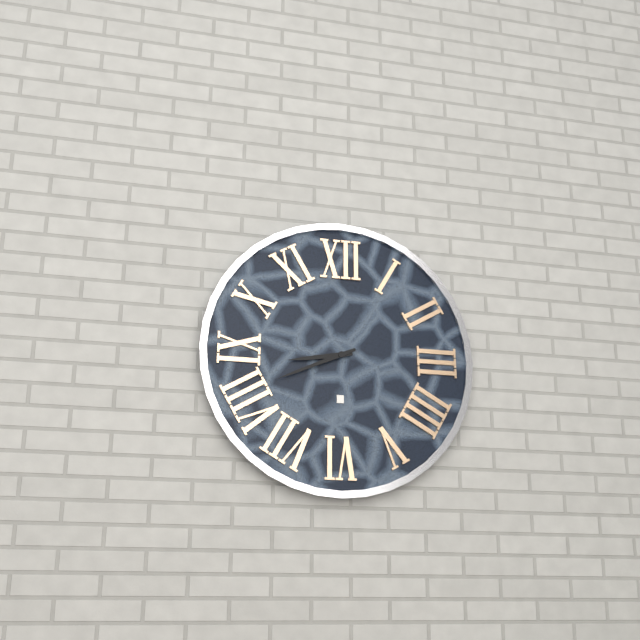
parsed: **8:41**
